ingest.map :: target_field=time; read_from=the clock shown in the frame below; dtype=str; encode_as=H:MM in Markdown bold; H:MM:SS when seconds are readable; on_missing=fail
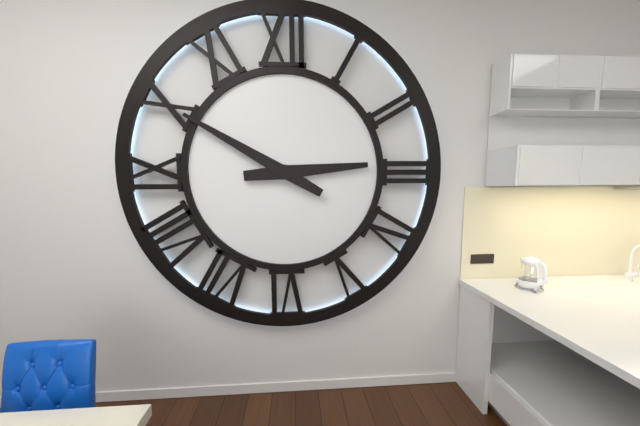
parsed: **2:50**
